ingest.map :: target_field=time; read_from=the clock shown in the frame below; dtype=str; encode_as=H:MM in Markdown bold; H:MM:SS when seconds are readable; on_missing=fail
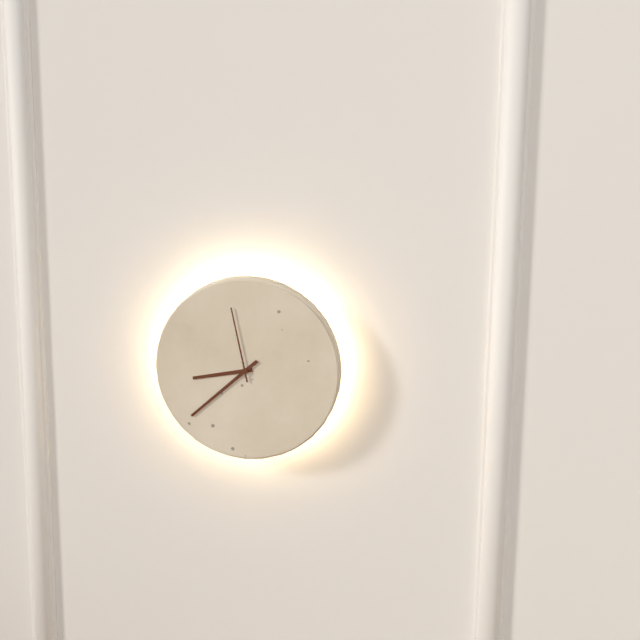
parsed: **8:38:58**
